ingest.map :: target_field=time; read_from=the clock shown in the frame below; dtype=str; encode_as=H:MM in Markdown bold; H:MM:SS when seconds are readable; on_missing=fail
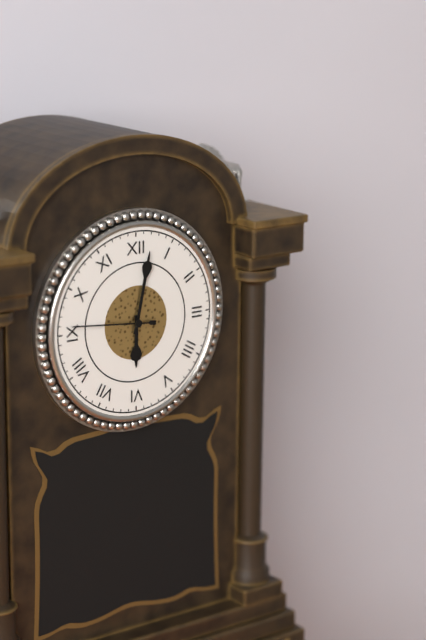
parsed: **6:02:46**
